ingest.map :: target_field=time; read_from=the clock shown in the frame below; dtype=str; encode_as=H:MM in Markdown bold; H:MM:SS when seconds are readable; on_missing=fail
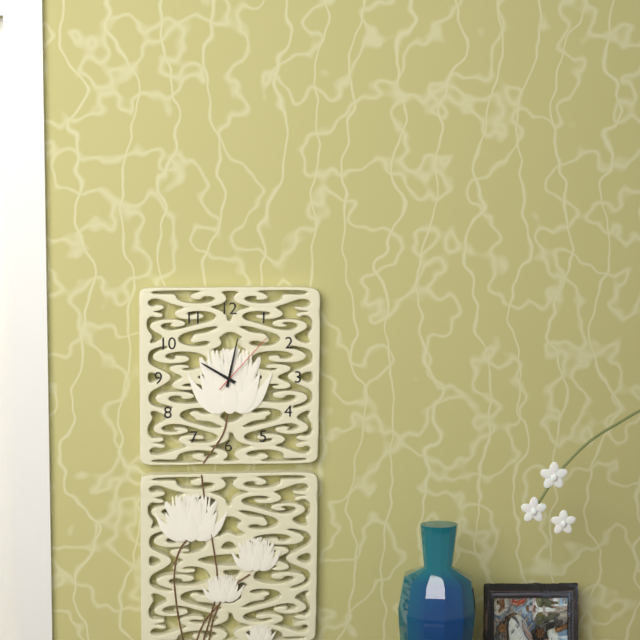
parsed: **10:02:07**
